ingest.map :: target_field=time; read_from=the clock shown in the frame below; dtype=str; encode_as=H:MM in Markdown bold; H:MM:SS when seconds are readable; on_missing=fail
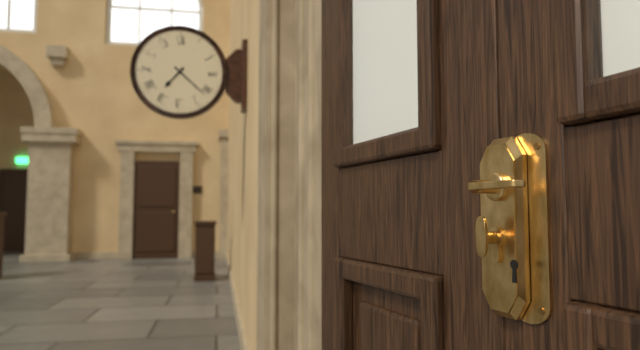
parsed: **7:22**
